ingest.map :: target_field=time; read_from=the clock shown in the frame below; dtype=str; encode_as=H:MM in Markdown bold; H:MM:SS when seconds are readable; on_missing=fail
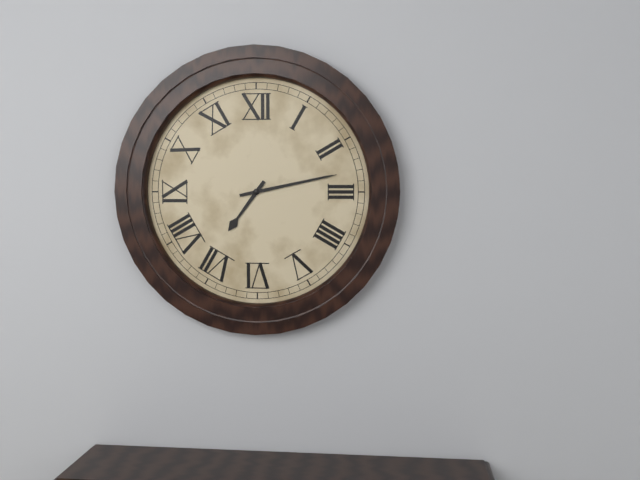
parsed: **7:13**
